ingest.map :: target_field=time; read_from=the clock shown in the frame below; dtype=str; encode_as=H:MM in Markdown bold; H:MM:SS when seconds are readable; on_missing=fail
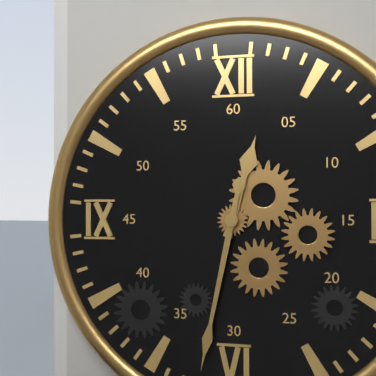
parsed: **12:32**
